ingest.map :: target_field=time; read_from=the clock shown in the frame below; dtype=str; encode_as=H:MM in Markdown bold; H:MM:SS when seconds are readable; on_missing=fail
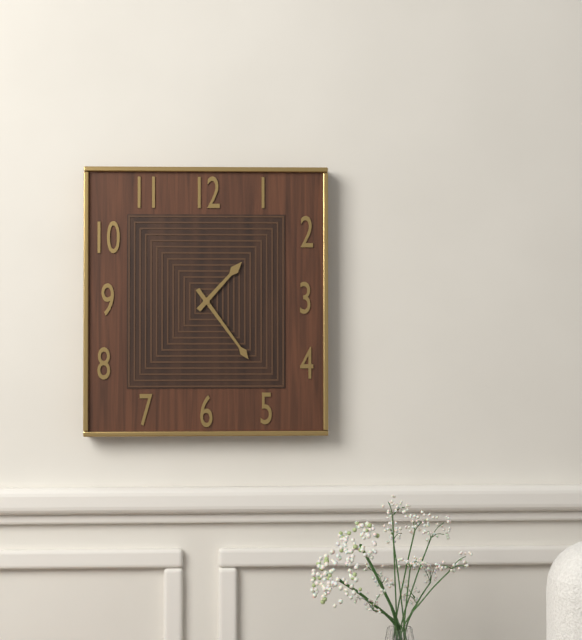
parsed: **1:24**
